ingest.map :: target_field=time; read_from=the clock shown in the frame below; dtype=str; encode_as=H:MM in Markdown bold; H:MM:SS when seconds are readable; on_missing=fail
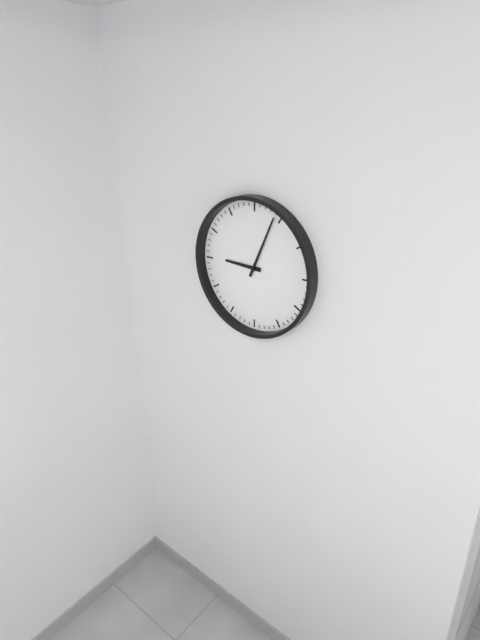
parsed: **9:04**
